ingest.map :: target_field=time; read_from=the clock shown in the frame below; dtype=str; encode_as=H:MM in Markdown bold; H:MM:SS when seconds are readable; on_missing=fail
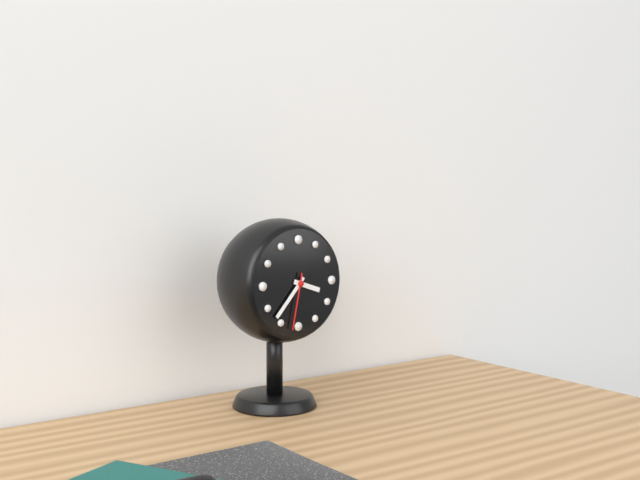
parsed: **3:37:32**
